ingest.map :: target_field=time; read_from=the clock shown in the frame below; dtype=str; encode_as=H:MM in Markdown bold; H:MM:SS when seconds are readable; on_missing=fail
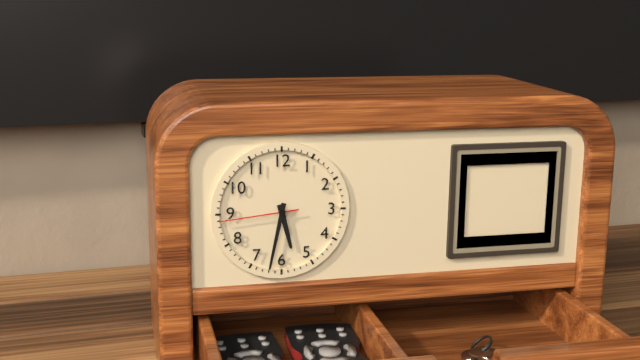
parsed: **5:32:44**
